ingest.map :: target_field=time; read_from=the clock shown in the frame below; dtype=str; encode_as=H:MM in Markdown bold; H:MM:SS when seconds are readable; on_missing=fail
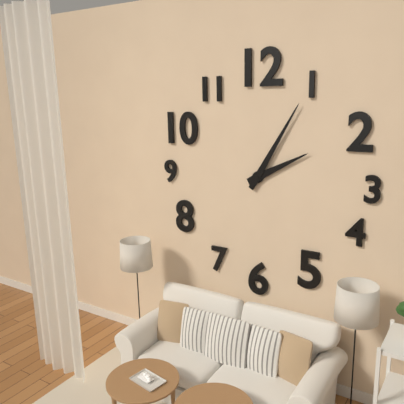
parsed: **2:05**
